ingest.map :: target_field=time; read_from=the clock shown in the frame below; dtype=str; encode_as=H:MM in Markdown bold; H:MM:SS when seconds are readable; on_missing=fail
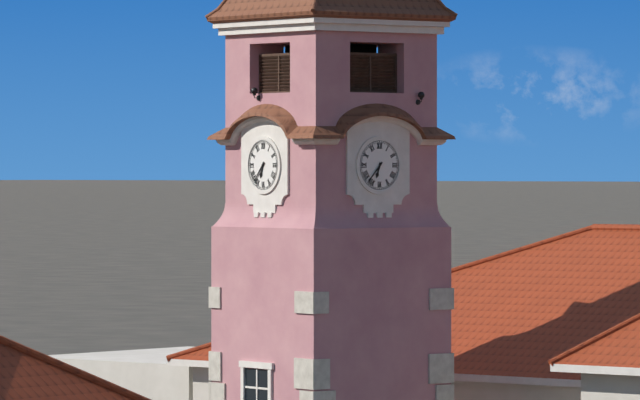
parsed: **6:37**
